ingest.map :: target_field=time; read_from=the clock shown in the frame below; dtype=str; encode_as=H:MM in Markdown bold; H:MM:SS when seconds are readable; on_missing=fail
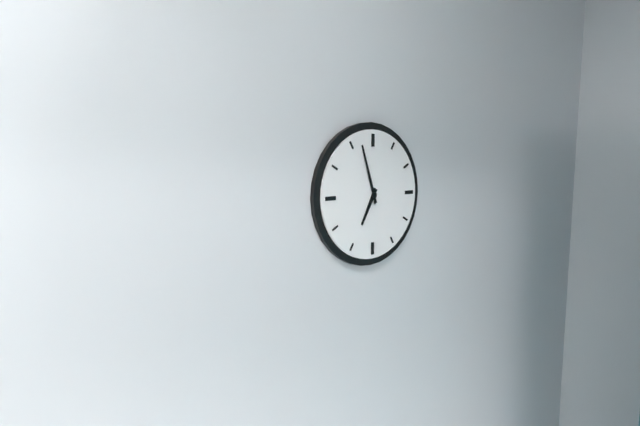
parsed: **6:57**
